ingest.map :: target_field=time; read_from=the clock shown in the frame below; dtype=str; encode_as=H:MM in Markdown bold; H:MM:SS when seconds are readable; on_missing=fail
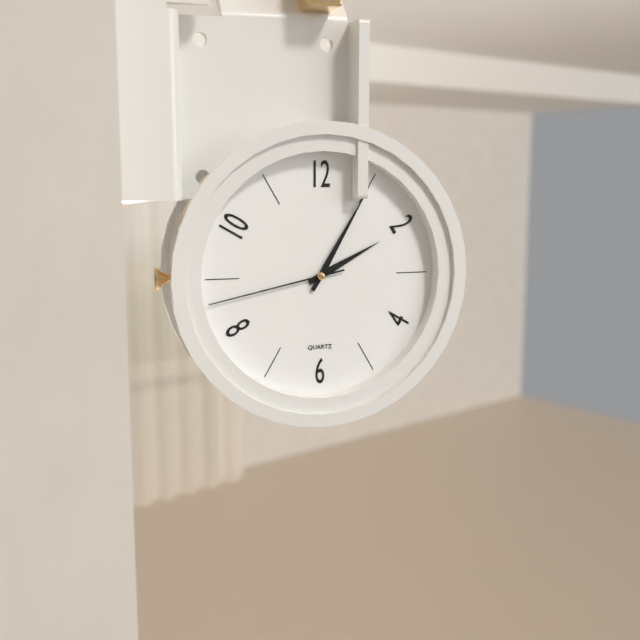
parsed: **2:05:43**
